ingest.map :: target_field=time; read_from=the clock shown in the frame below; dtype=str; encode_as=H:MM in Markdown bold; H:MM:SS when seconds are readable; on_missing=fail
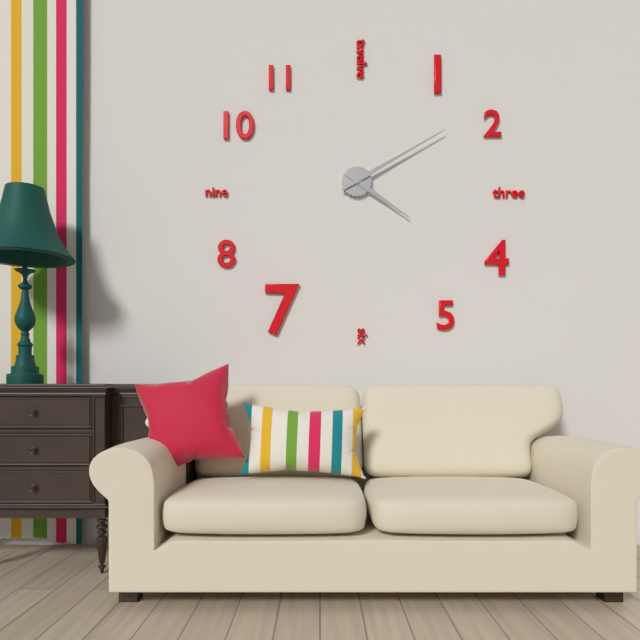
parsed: **4:10**
